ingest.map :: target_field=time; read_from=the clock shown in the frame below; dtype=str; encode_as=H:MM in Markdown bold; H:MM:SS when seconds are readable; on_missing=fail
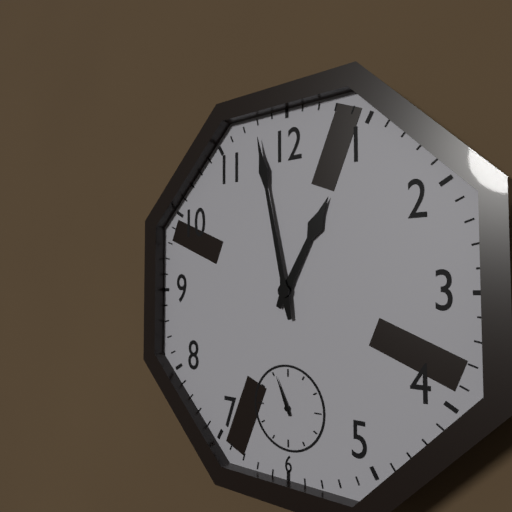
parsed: **12:58**
